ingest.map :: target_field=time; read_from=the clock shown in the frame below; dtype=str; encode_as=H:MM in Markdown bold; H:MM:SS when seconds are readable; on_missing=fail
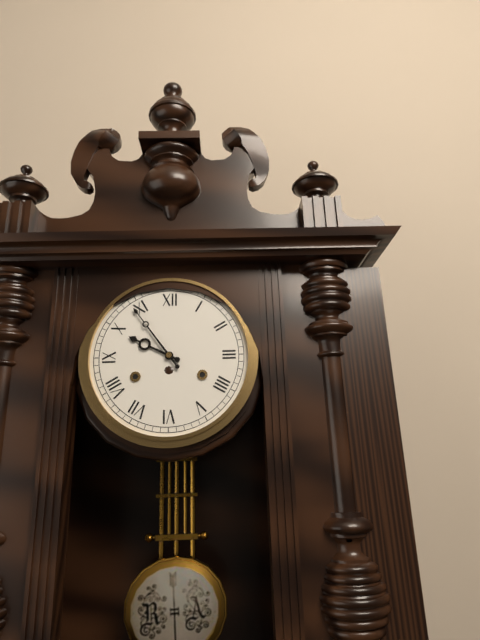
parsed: **9:54**
